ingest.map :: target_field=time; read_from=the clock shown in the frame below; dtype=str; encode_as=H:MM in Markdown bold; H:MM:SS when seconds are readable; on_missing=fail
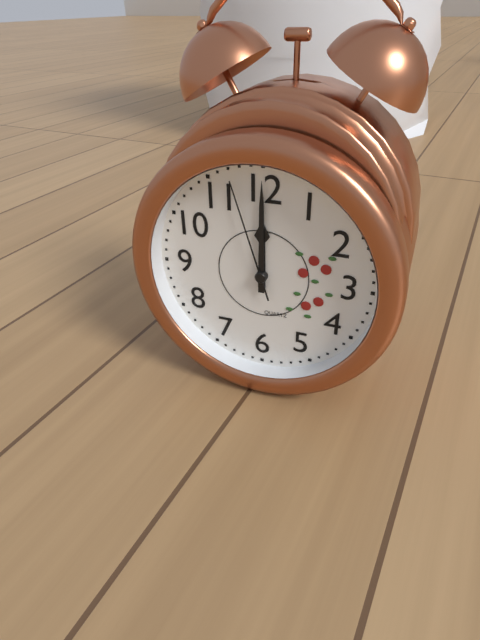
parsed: **12:00:57**
